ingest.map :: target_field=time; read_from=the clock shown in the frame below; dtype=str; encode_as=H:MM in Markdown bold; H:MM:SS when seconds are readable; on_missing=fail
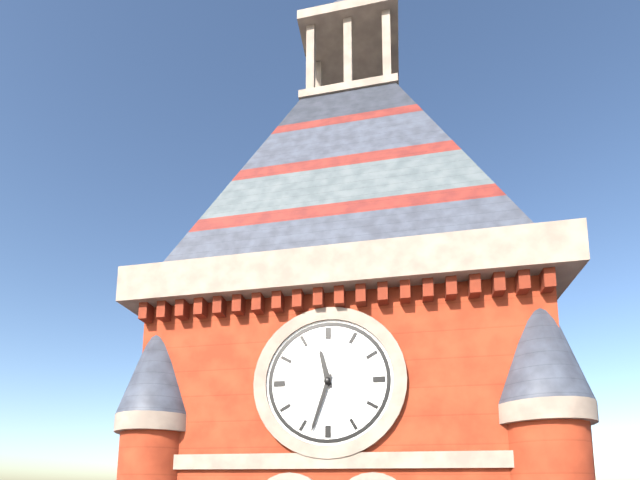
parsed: **11:33**
